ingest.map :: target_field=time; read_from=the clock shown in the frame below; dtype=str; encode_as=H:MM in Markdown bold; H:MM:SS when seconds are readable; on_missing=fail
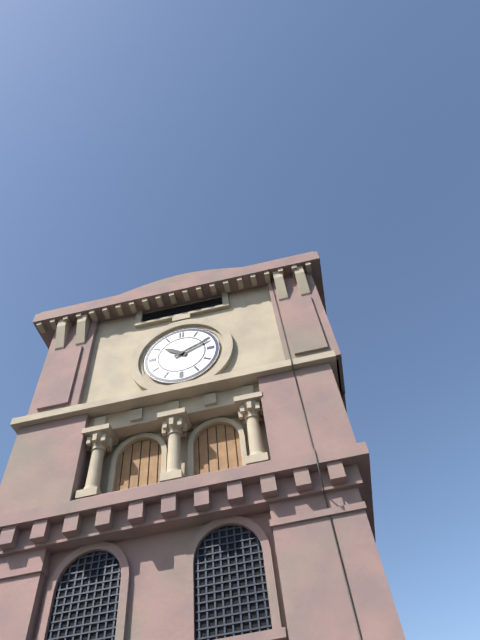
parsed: **10:11**
